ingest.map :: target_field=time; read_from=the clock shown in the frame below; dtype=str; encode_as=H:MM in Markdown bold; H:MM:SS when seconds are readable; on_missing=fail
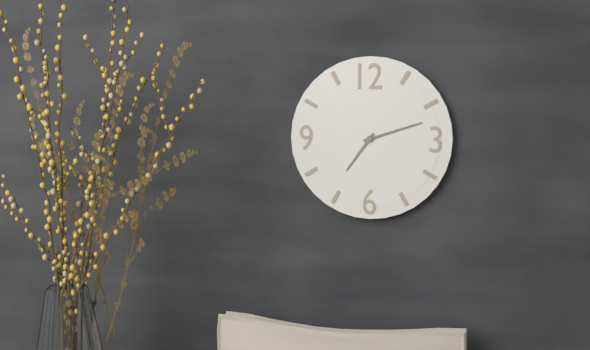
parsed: **7:12**
